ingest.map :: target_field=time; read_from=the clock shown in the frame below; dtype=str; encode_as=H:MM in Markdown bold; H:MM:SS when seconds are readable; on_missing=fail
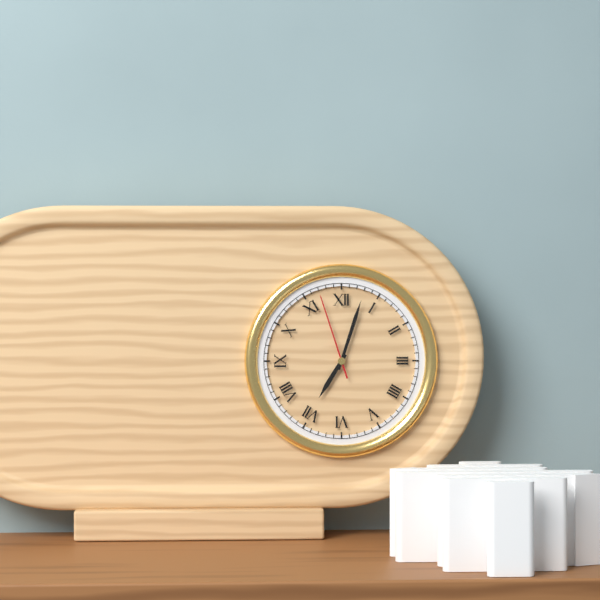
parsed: **7:03:57**
